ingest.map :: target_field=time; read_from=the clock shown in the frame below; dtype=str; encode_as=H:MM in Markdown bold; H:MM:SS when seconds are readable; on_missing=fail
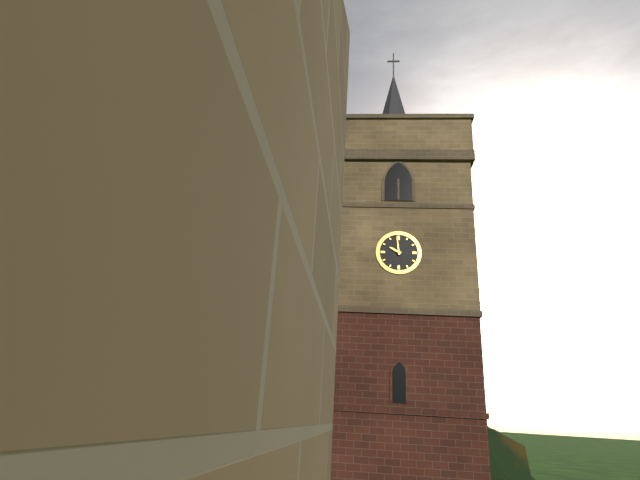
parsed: **9:59**
